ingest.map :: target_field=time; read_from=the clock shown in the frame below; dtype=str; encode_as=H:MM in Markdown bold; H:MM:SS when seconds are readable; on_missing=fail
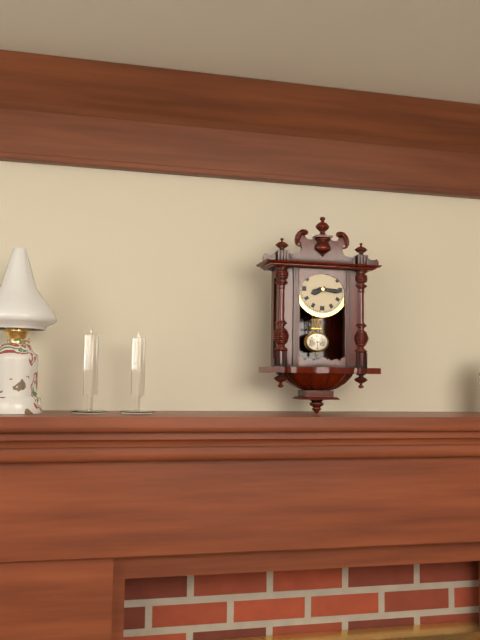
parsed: **8:16**
